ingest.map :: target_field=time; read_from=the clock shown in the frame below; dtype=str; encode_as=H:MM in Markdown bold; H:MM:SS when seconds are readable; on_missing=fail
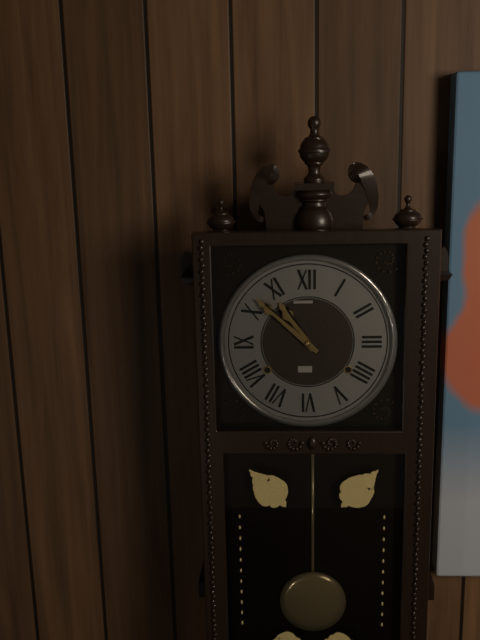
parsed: **10:52**
